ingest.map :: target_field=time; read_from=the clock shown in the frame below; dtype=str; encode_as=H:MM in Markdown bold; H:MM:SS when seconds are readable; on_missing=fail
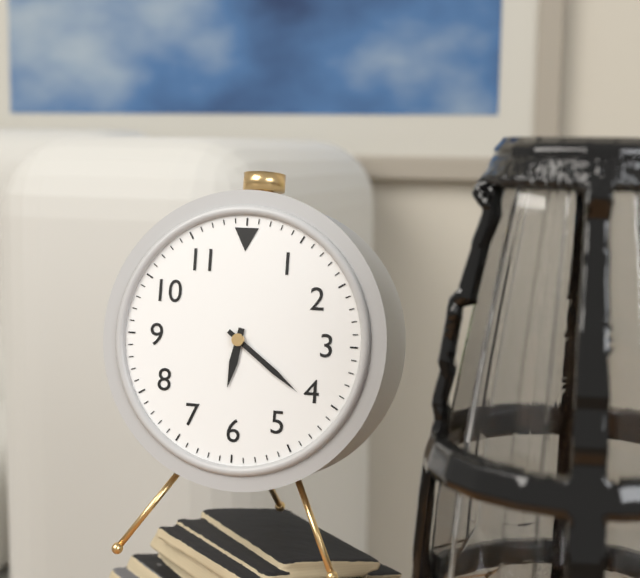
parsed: **6:21**
